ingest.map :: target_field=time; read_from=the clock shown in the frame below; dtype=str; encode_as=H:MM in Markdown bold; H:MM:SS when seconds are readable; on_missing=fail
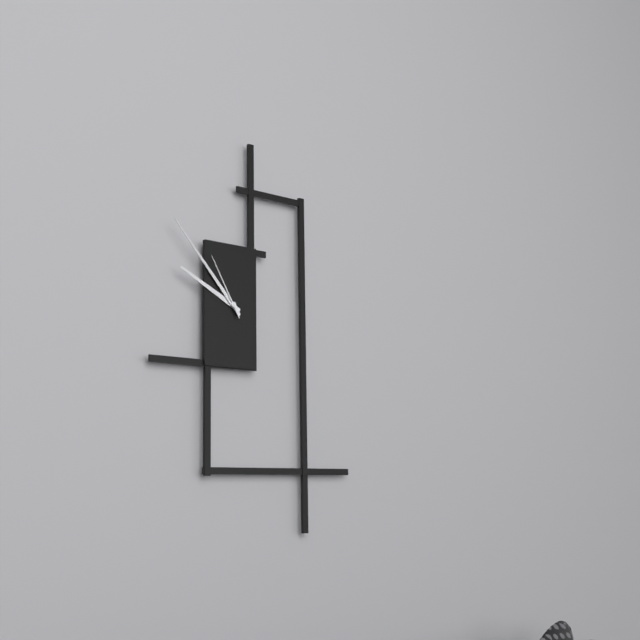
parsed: **9:53:55**
